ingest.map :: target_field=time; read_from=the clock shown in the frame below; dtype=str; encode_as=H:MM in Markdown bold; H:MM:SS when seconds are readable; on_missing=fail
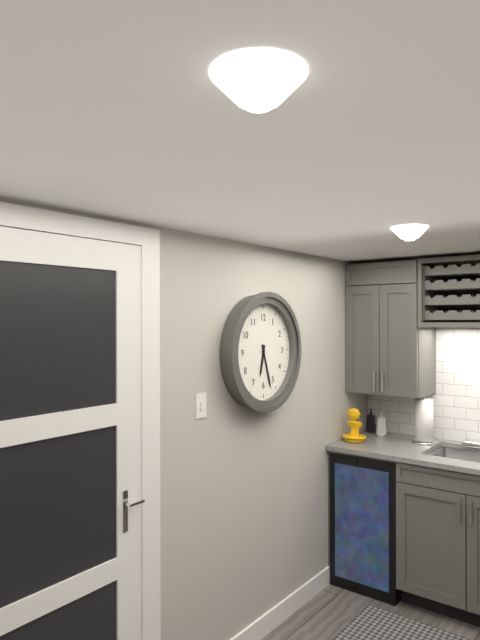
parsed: **6:27**
